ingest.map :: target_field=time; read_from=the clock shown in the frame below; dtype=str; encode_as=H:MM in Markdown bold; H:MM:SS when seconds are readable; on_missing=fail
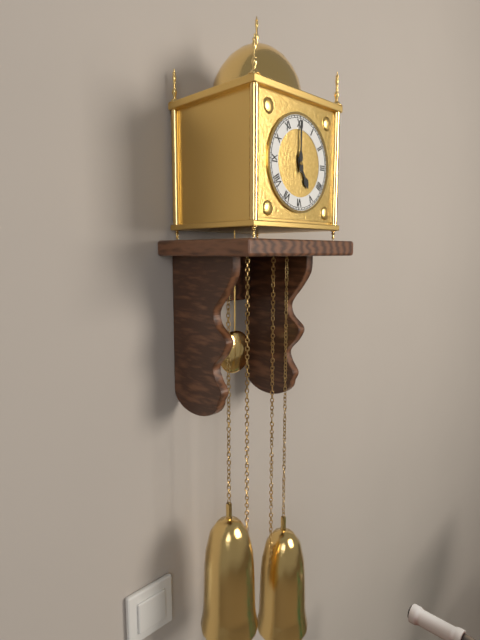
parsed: **5:00**
